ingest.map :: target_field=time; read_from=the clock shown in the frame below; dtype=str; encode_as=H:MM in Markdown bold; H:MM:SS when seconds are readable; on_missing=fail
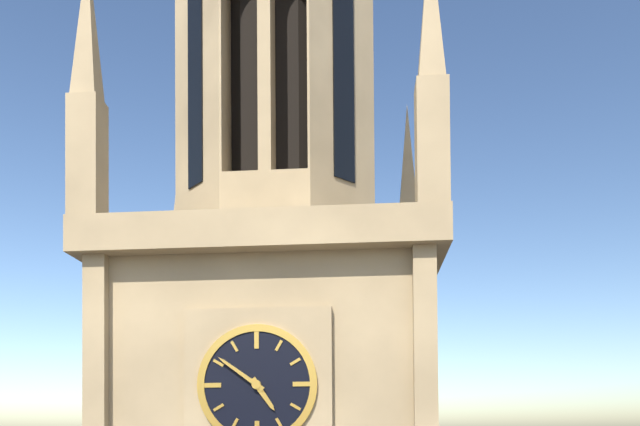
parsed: **4:51**
